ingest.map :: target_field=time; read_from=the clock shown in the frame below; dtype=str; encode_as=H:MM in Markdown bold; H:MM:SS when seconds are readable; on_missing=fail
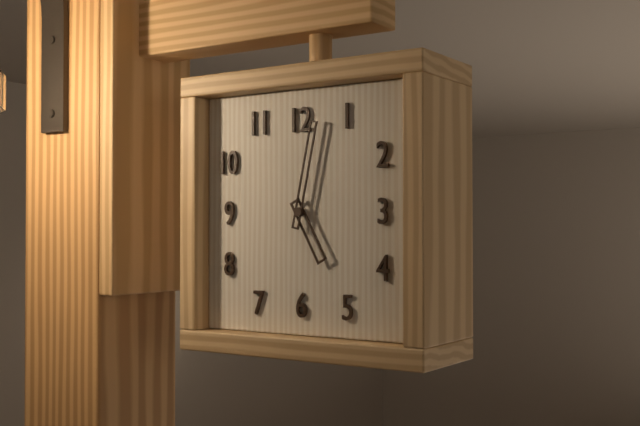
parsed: **5:02**
